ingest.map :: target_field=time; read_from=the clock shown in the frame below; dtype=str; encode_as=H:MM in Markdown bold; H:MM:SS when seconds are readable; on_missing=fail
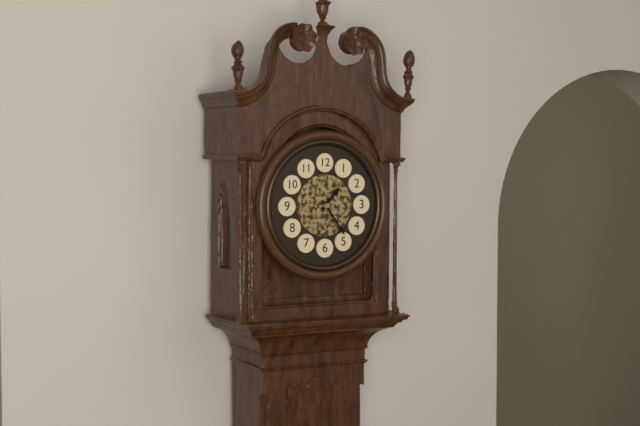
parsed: **1:24**
